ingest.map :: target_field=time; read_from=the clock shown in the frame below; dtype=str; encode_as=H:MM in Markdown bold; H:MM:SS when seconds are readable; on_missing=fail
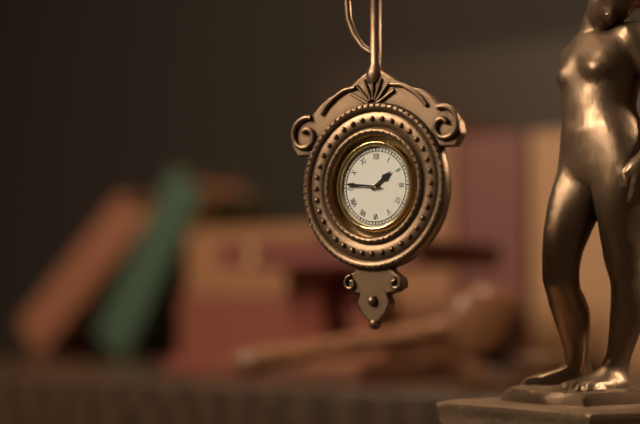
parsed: **1:46**
